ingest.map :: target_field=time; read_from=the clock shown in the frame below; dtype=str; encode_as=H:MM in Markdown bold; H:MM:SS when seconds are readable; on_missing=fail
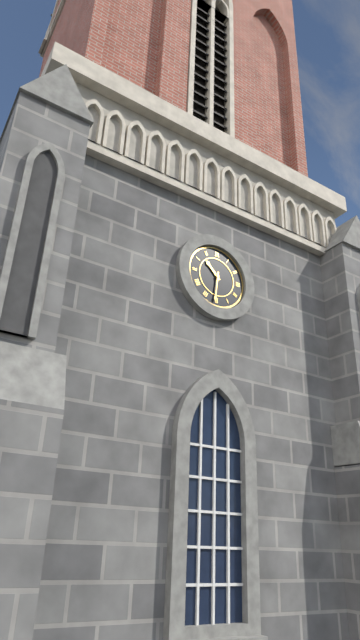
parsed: **10:31**
